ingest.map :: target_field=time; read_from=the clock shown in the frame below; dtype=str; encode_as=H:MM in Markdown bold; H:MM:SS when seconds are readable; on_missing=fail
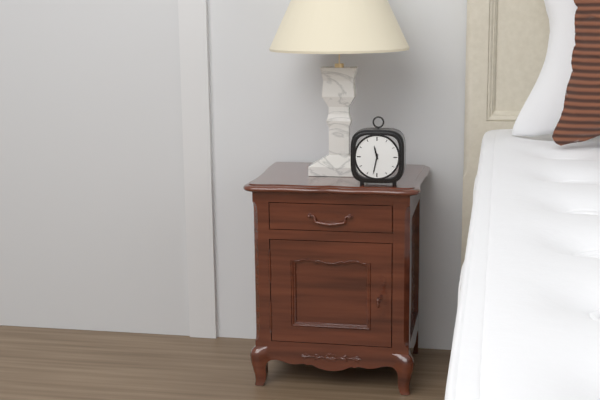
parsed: **11:32**
